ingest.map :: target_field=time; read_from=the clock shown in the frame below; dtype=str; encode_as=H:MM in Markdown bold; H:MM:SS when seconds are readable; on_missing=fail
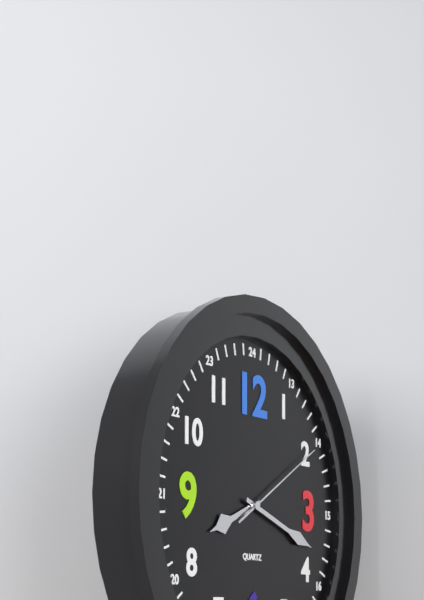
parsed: **8:18:10**
